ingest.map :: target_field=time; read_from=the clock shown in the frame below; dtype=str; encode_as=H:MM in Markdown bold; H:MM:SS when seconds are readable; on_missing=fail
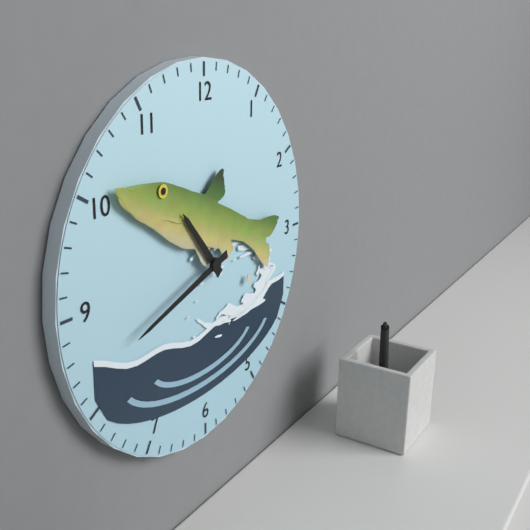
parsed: **10:42**
